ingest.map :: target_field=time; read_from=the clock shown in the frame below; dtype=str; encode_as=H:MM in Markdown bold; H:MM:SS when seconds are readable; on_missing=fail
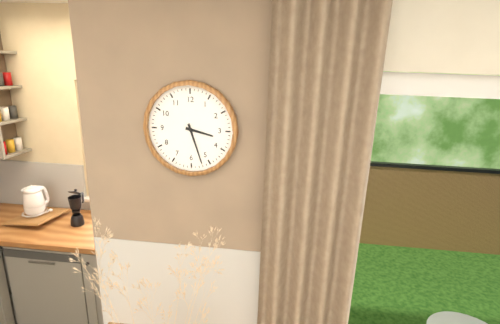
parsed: **3:27**
